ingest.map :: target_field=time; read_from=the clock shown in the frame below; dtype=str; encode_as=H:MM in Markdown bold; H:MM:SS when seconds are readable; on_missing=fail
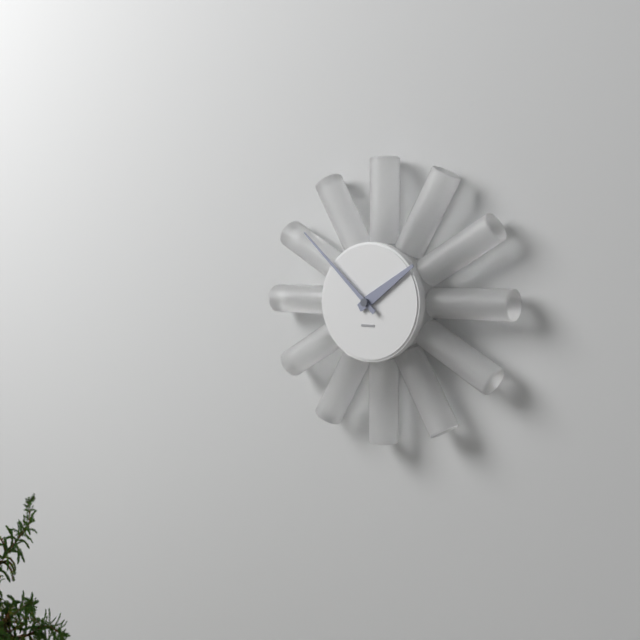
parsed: **1:52**
